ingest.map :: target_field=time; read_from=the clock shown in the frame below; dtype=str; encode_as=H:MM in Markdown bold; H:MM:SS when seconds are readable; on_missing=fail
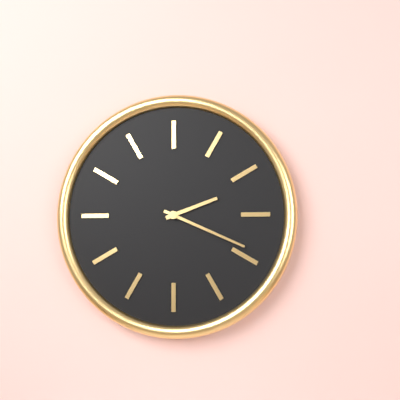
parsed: **2:19**
